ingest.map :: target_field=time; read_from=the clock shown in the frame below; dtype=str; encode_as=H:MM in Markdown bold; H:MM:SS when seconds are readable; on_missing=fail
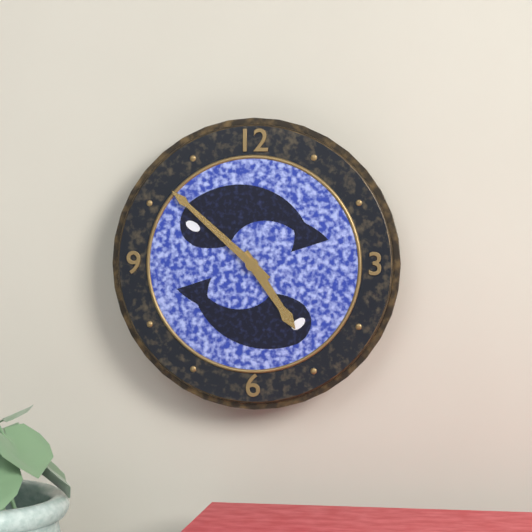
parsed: **4:52**
